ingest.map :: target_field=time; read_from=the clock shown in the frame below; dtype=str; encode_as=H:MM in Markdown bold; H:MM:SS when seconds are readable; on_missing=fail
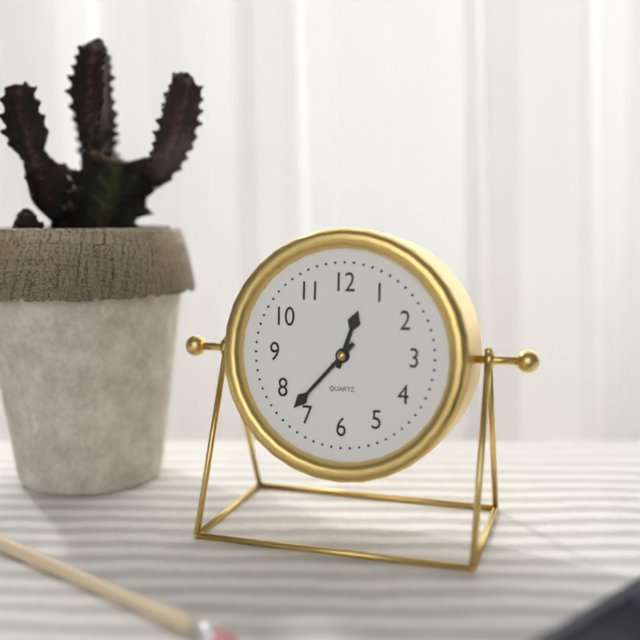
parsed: **12:37**
